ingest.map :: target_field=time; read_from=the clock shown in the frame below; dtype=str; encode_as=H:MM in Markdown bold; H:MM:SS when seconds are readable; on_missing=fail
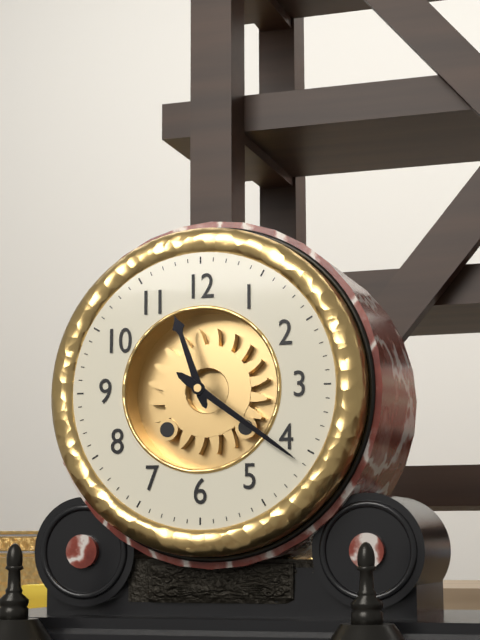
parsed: **11:21**
